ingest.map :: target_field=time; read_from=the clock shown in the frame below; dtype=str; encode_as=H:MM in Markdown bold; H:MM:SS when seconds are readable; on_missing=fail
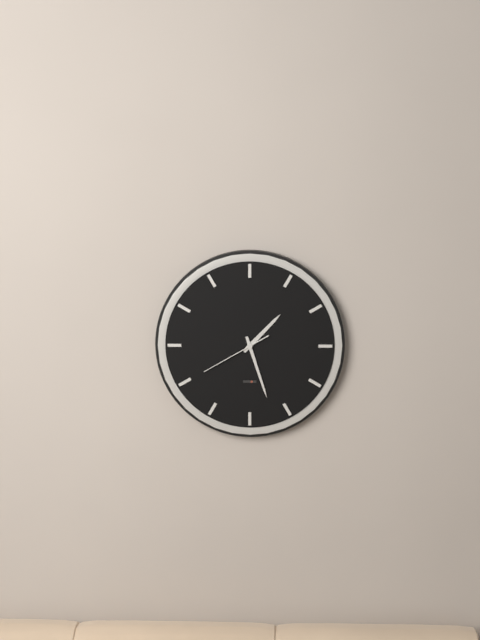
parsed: **1:27:40**
